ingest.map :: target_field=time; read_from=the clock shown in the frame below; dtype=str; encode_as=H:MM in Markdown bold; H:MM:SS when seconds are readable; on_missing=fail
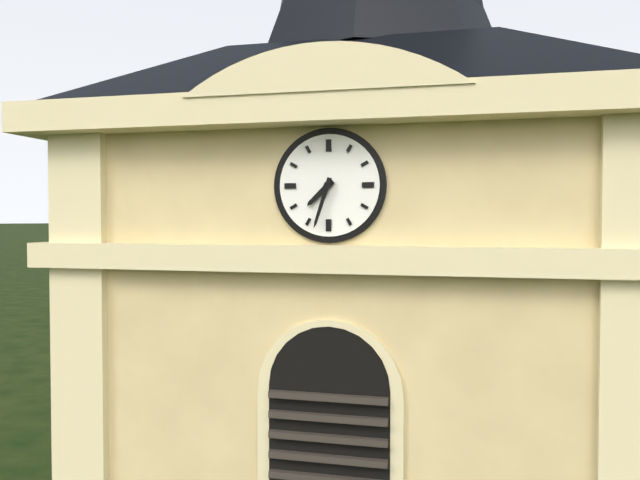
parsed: **7:33**
